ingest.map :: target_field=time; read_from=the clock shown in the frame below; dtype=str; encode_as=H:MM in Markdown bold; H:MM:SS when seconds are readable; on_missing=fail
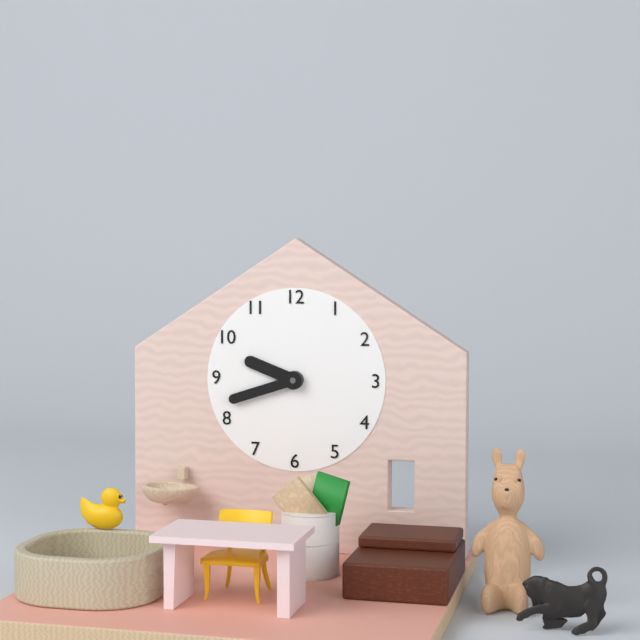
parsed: **9:42**
